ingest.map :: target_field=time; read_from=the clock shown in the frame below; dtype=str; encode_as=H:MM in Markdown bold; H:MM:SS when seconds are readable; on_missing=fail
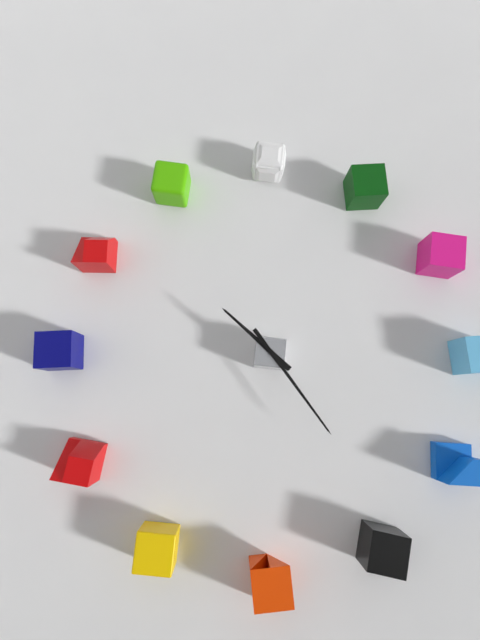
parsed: **10:24**
